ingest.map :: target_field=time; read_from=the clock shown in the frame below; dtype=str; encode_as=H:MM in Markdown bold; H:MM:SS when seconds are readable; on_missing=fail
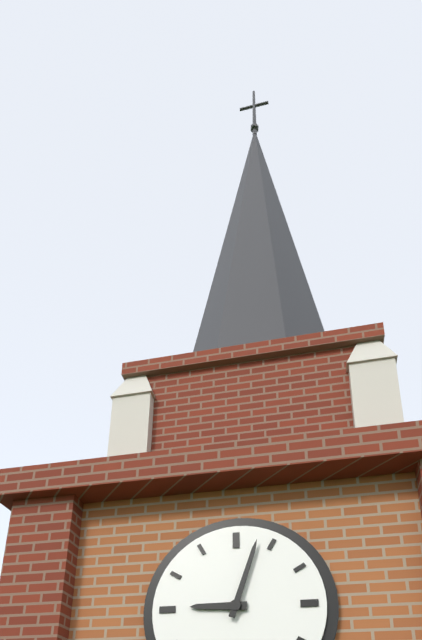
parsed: **9:03**
